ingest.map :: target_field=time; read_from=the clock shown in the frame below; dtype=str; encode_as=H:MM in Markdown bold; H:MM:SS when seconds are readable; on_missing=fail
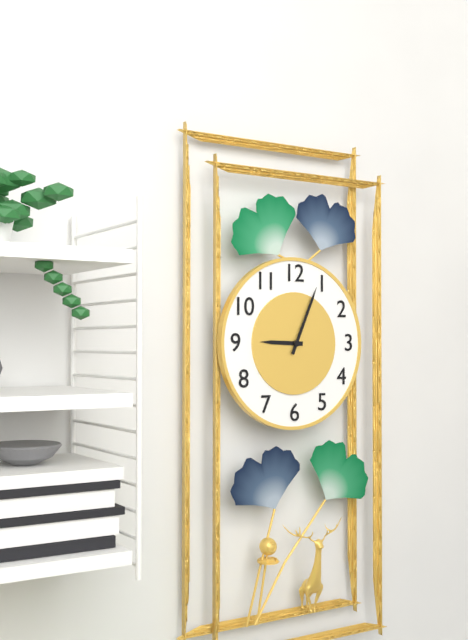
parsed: **9:04**
